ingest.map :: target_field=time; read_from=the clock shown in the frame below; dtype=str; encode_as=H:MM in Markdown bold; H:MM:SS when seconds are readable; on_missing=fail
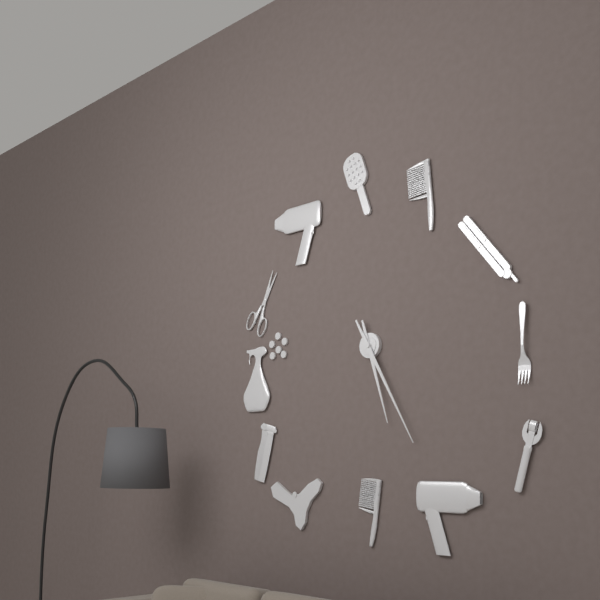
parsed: **5:25**
